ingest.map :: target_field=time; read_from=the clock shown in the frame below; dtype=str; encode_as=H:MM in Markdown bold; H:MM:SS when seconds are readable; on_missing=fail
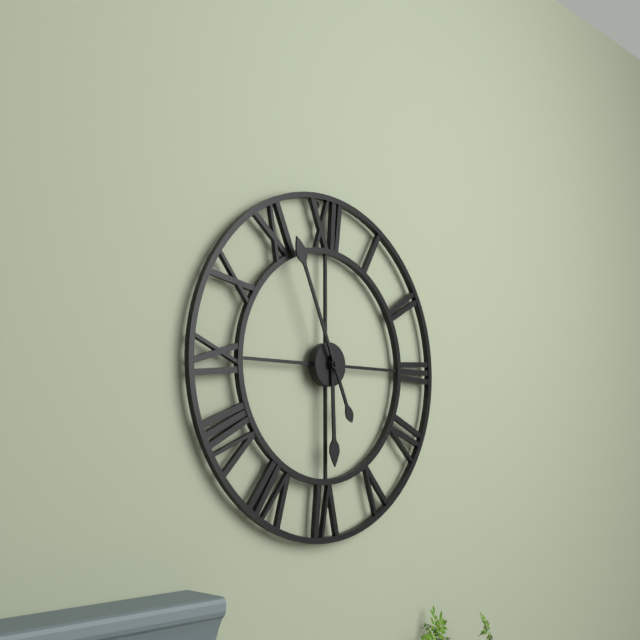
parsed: **5:56**
